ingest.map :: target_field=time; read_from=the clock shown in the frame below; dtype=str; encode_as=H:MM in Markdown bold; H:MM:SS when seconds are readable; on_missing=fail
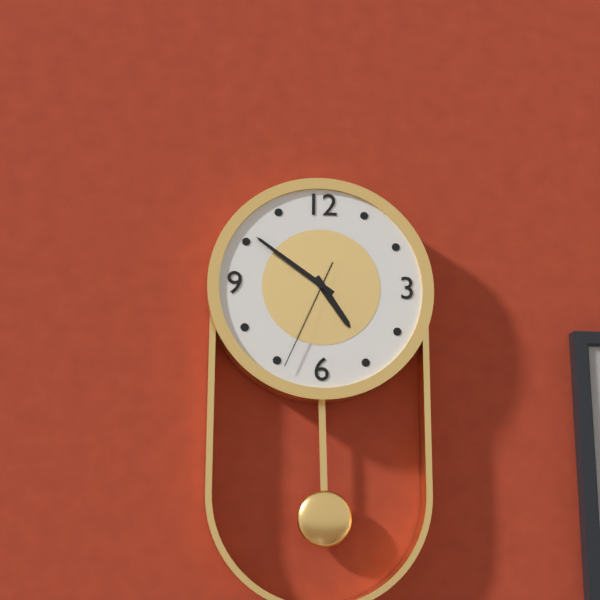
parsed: **4:51:34**
